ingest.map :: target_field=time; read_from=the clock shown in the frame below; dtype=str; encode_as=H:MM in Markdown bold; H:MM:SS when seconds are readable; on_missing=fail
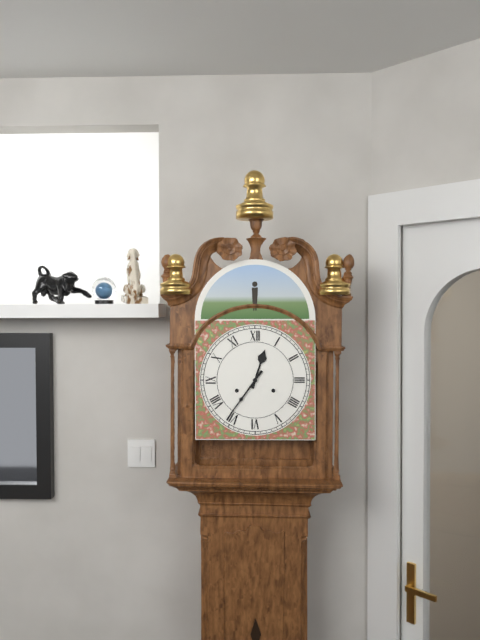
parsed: **12:36**
